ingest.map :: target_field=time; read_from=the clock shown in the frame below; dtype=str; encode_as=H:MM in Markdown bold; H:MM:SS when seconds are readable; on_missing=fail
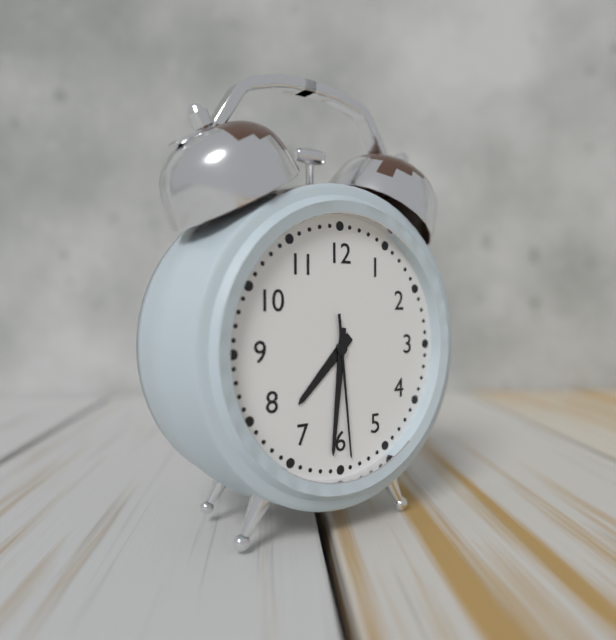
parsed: **7:31:29**
